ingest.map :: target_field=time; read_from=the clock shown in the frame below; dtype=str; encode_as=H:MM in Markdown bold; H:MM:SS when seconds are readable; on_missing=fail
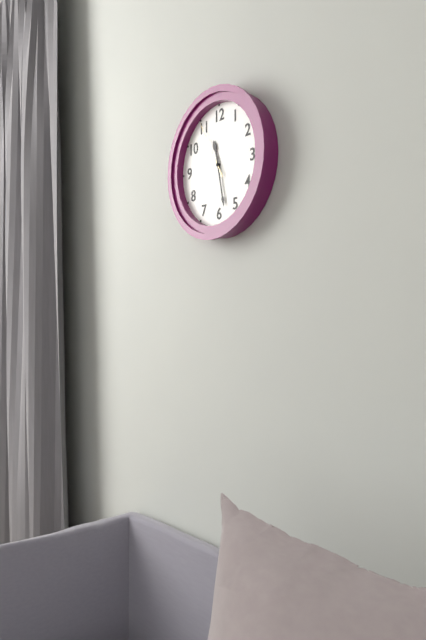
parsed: **11:28:55**
